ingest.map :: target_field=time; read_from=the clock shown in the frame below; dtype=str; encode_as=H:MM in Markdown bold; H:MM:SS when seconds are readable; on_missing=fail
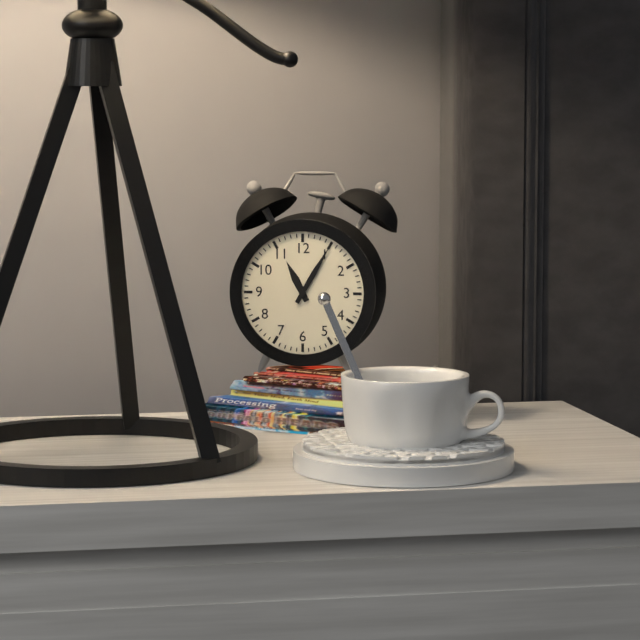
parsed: **11:05**
